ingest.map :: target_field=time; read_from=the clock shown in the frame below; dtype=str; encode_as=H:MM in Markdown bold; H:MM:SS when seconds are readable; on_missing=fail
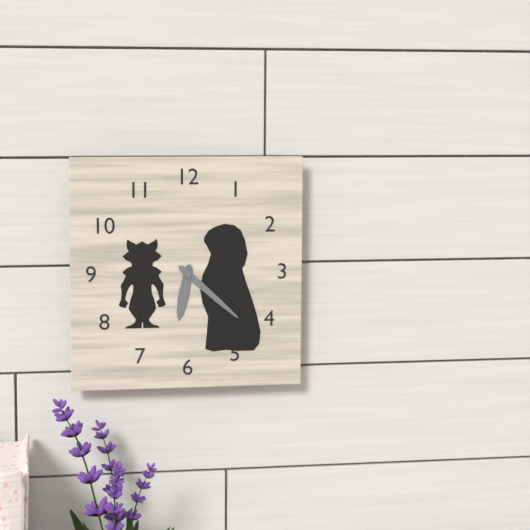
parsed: **6:22**
